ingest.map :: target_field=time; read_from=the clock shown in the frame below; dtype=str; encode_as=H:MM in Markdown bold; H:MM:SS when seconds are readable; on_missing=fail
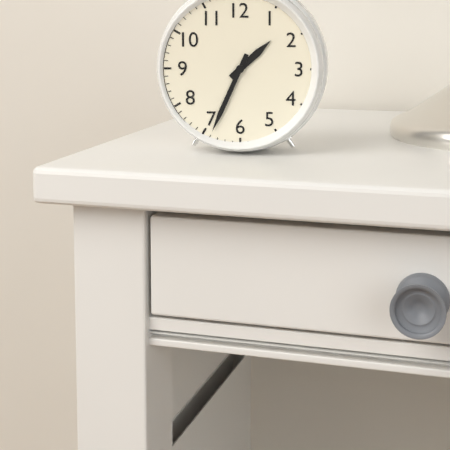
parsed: **1:34**
